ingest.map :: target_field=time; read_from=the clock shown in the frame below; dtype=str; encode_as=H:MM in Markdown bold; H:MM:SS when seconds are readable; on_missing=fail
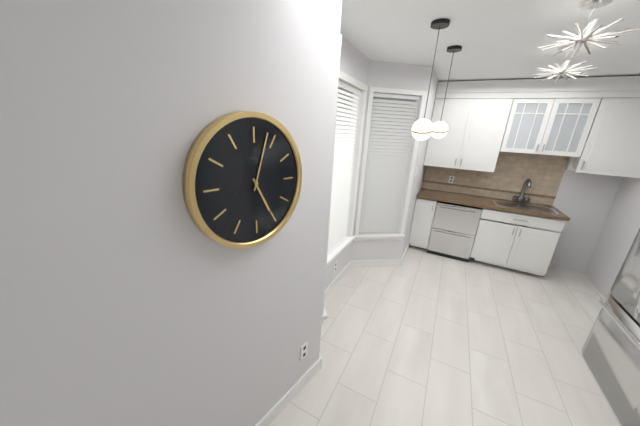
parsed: **5:03**
